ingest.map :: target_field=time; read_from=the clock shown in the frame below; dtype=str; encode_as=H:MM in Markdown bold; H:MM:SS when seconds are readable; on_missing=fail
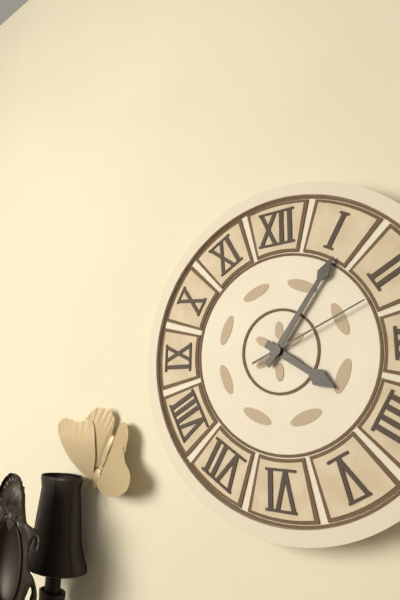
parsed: **4:06:11**
